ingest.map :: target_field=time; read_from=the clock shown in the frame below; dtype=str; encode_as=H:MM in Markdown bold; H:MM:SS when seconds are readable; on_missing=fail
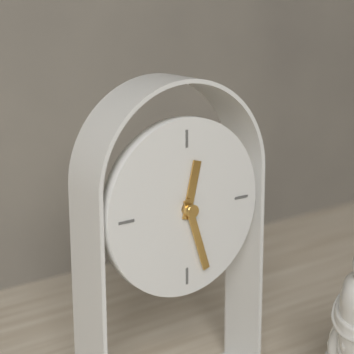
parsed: **12:27**
